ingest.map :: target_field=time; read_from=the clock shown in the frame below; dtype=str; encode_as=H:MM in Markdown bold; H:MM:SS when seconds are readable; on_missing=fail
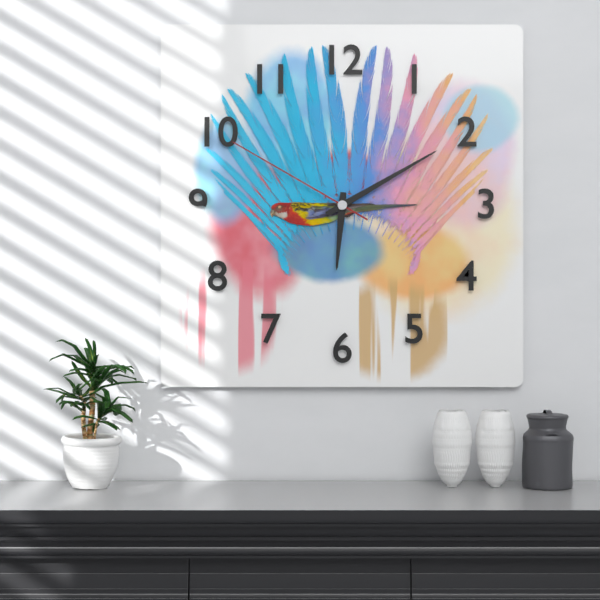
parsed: **6:10:50**
